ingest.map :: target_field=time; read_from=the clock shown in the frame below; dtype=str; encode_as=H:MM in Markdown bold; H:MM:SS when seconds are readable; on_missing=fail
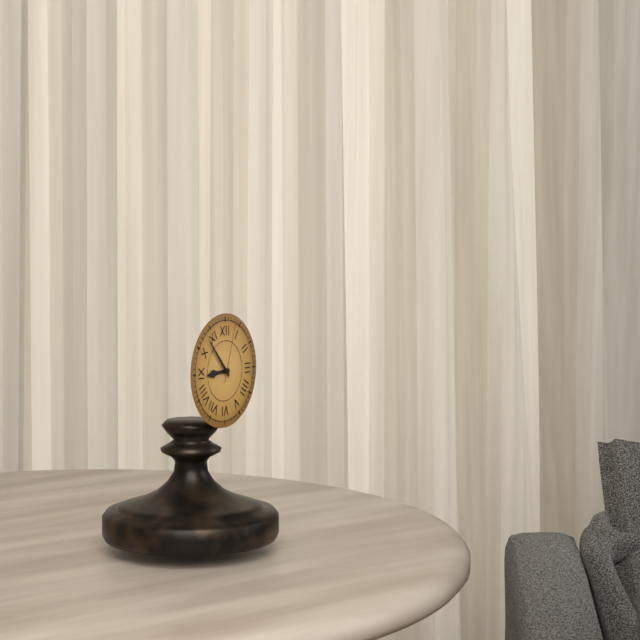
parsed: **8:53:03**
